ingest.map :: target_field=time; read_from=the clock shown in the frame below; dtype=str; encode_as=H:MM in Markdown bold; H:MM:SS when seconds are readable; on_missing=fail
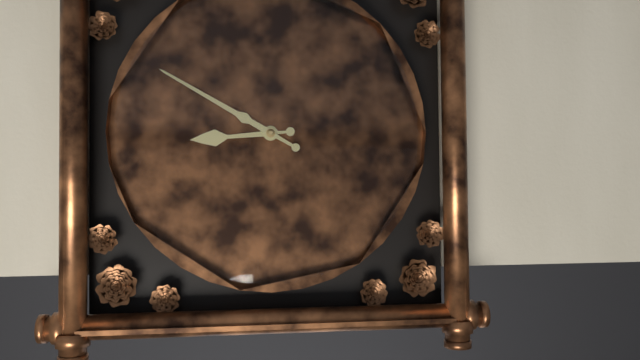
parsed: **8:50**
